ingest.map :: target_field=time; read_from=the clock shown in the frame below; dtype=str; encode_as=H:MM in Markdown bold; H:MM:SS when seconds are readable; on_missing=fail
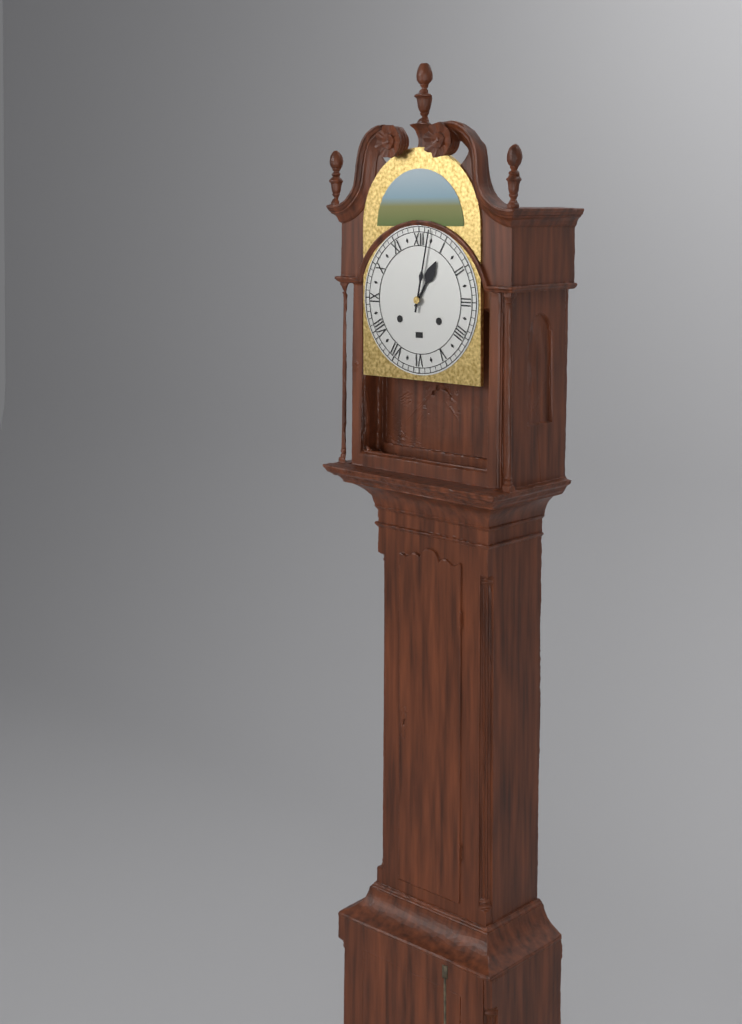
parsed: **1:02**
